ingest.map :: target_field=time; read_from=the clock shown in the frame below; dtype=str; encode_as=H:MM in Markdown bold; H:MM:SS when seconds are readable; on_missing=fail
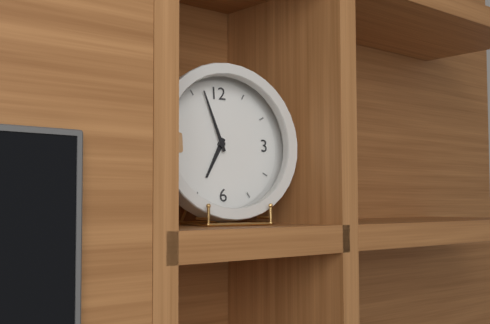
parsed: **6:57**
